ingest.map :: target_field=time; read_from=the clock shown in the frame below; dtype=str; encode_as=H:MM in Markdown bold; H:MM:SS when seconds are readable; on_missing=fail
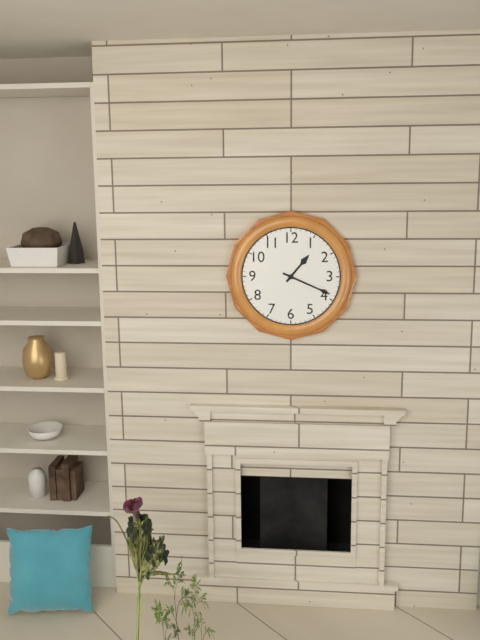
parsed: **1:19**
